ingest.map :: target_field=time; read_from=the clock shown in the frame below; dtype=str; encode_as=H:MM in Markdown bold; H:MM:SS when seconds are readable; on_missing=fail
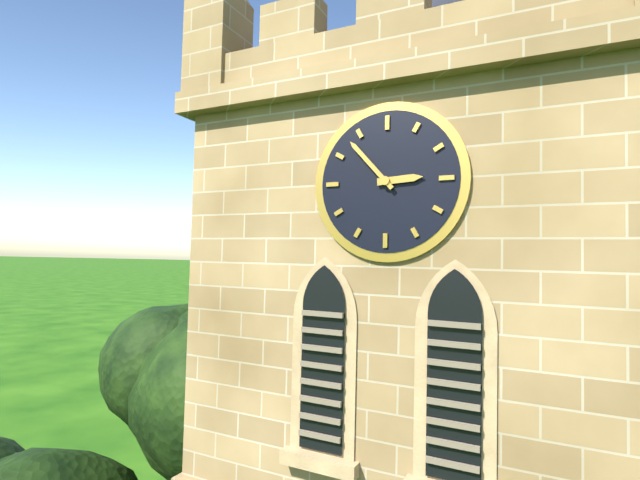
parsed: **2:53**
